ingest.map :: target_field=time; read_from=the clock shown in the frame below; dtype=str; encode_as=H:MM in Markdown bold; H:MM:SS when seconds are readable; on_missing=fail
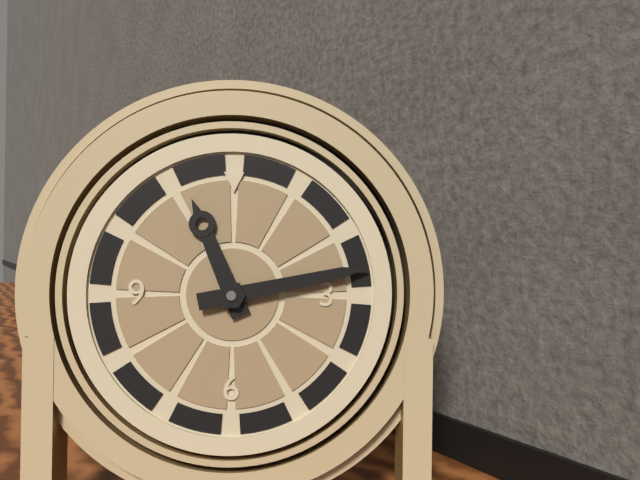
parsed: **11:13**
